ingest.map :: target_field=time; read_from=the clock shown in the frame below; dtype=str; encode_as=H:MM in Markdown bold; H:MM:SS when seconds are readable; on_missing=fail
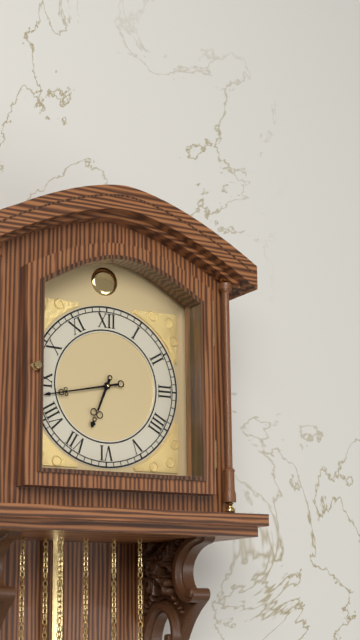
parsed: **6:43**
